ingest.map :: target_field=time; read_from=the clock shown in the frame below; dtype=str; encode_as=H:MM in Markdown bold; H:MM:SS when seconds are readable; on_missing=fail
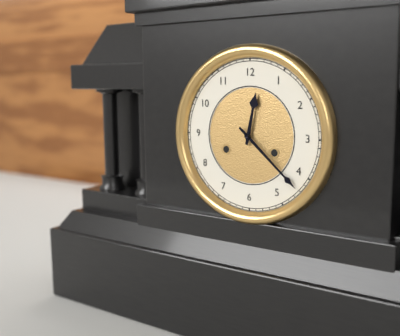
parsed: **12:22**
